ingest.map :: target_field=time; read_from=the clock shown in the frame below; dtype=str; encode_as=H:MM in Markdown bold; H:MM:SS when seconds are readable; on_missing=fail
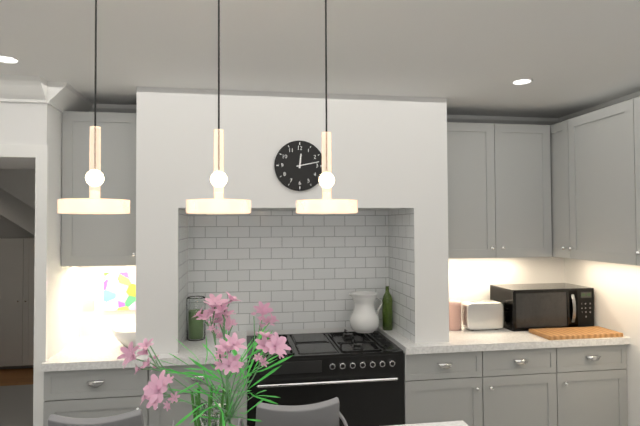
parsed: **12:13**
